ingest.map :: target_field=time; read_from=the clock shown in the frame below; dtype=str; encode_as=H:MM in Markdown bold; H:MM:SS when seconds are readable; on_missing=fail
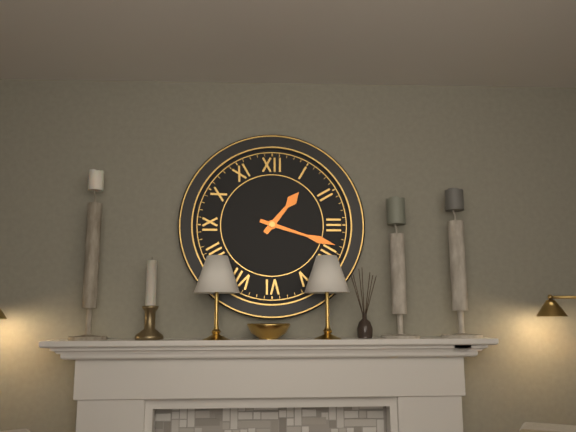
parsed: **1:18**
